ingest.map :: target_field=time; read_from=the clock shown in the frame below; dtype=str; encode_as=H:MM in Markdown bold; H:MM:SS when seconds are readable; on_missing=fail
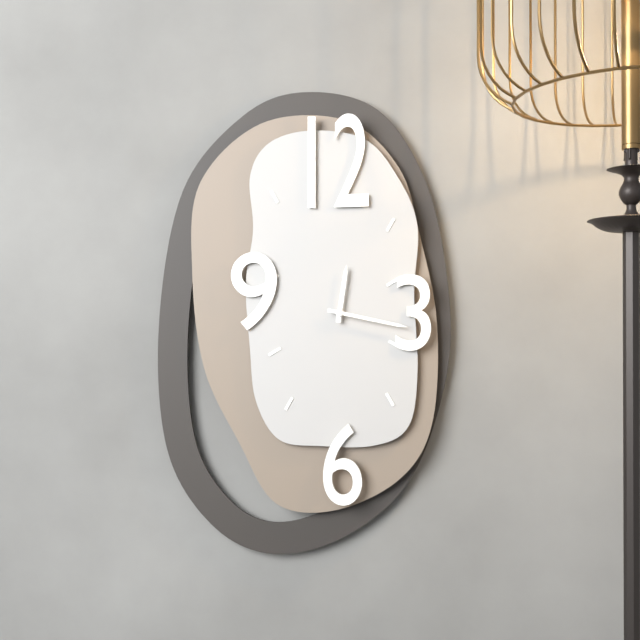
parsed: **12:17**
